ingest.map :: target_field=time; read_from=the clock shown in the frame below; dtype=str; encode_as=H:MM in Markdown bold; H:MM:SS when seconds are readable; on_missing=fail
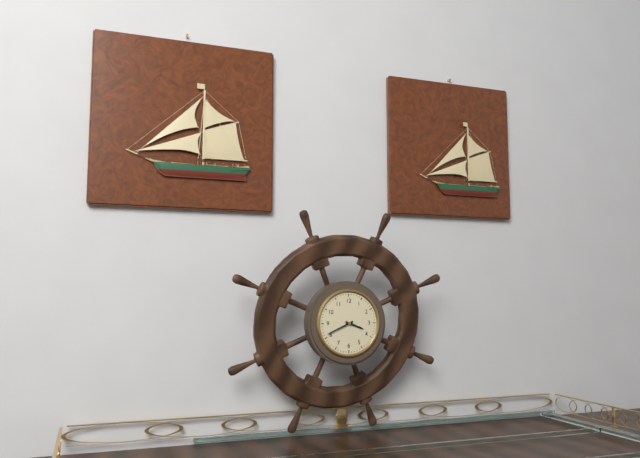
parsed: **3:41**
